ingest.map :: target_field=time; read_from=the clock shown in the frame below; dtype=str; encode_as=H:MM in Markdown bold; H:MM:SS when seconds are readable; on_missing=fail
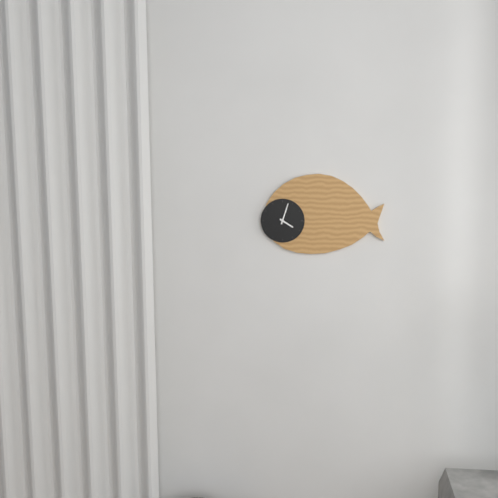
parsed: **4:03**
